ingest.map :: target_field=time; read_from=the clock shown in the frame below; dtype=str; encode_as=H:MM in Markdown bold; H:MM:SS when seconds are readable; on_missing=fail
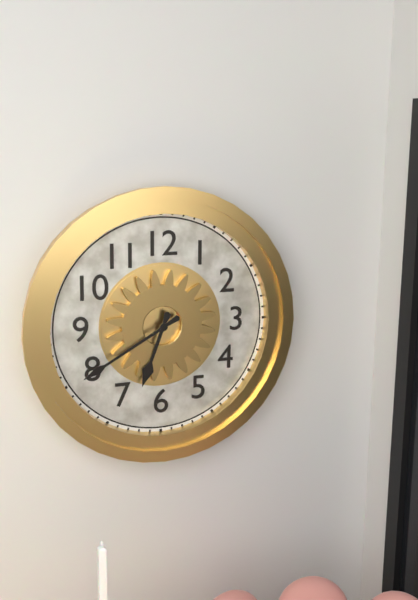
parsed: **6:40**
